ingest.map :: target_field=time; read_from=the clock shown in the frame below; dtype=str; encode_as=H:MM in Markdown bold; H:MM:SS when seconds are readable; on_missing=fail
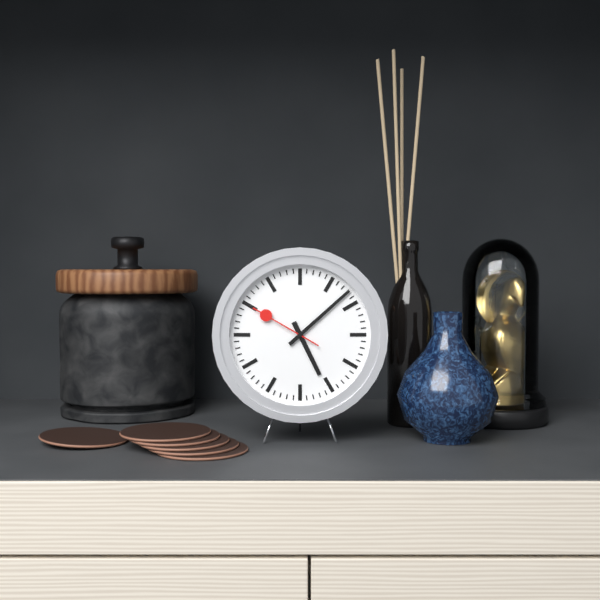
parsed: **5:08:50**
